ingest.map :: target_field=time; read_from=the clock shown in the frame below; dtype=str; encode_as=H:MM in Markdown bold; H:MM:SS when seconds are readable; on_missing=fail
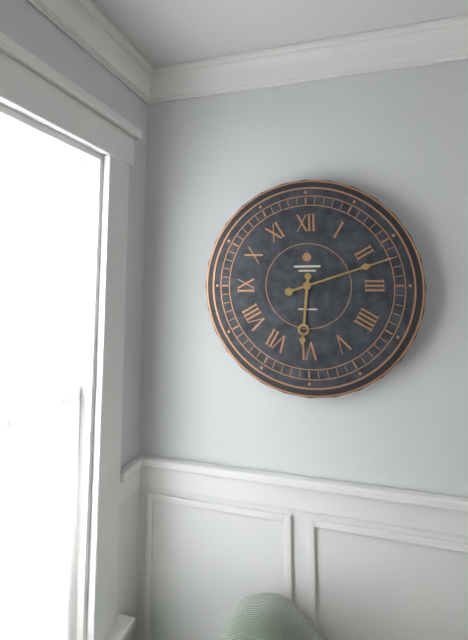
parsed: **6:12**
